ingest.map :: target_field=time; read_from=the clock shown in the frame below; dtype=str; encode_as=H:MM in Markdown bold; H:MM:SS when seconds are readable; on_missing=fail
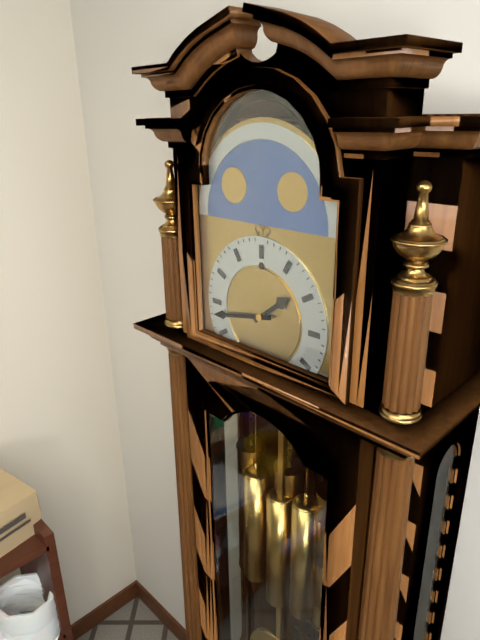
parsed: **1:43**
